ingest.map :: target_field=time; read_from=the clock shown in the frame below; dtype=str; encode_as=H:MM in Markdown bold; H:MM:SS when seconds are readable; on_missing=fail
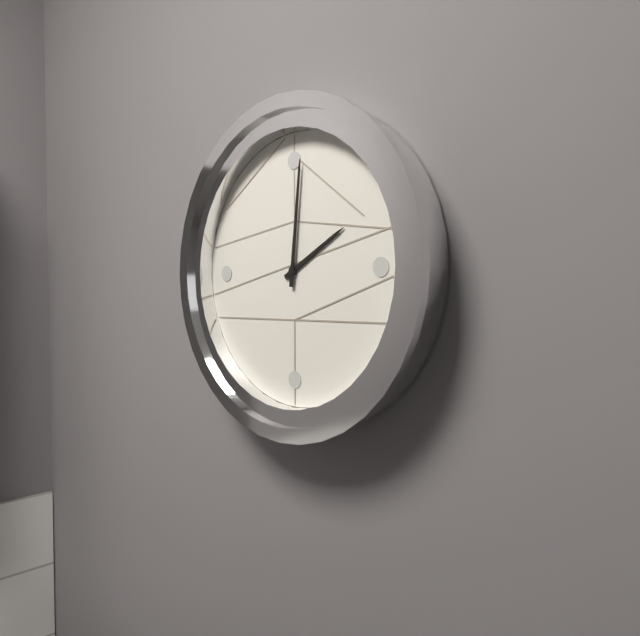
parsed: **2:01**
